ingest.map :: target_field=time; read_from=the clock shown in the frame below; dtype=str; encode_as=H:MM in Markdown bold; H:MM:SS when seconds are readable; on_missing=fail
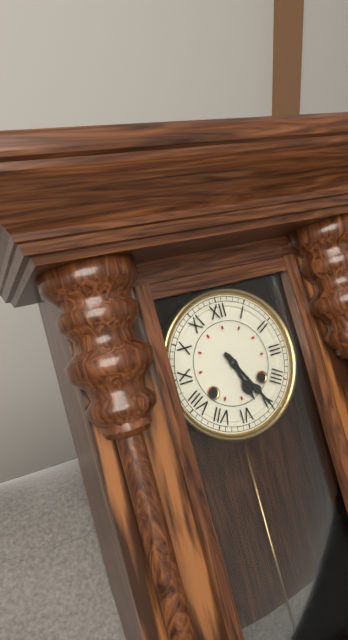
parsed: **5:25**
